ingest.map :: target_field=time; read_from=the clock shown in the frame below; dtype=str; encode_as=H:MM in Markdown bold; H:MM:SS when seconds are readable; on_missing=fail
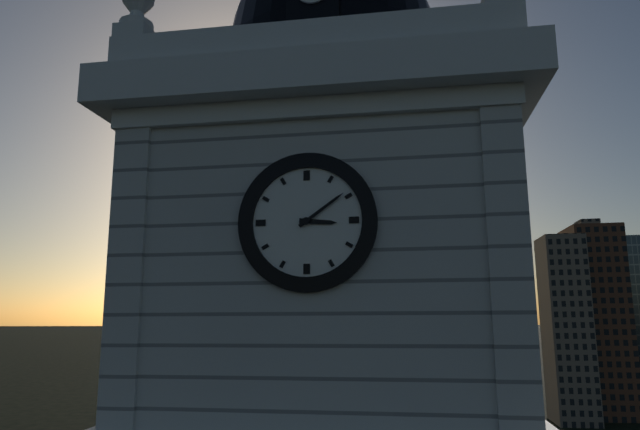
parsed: **3:09**
